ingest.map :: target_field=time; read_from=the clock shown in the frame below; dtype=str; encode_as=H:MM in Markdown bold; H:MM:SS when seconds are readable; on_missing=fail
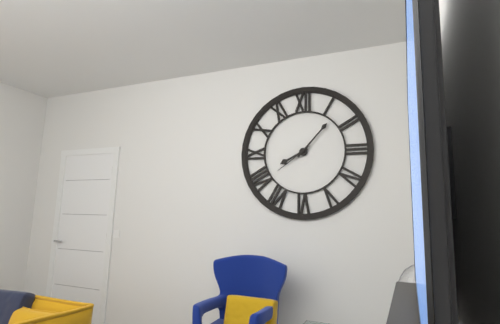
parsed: **8:07**
